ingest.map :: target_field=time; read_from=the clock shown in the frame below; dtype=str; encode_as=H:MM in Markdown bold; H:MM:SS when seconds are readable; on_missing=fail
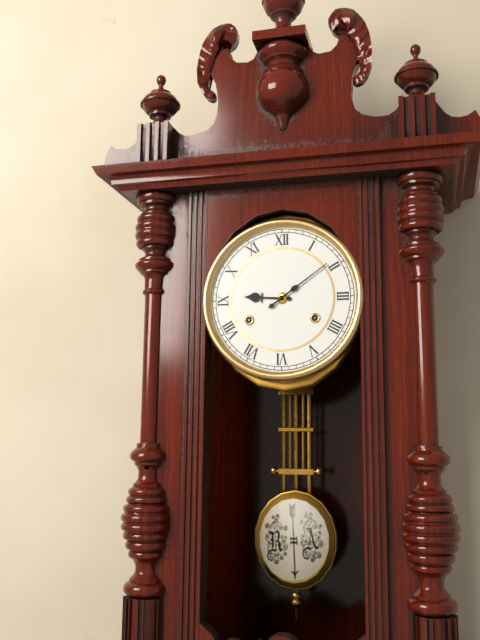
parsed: **9:09**
